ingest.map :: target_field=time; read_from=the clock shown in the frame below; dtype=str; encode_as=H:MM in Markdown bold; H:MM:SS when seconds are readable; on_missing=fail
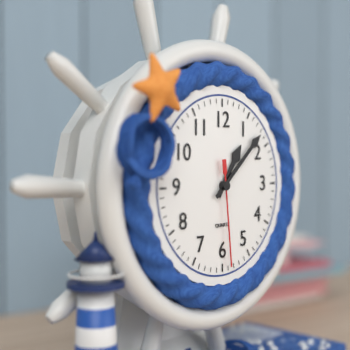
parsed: **1:08:29**
